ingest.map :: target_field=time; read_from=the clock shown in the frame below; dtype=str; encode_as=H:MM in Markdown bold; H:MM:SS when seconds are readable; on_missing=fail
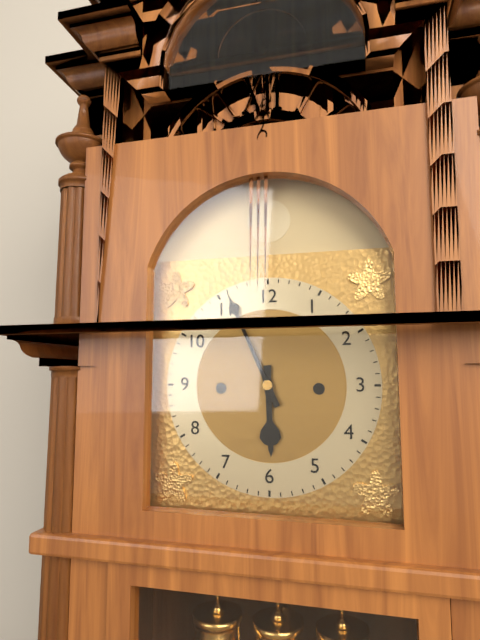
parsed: **5:56**
